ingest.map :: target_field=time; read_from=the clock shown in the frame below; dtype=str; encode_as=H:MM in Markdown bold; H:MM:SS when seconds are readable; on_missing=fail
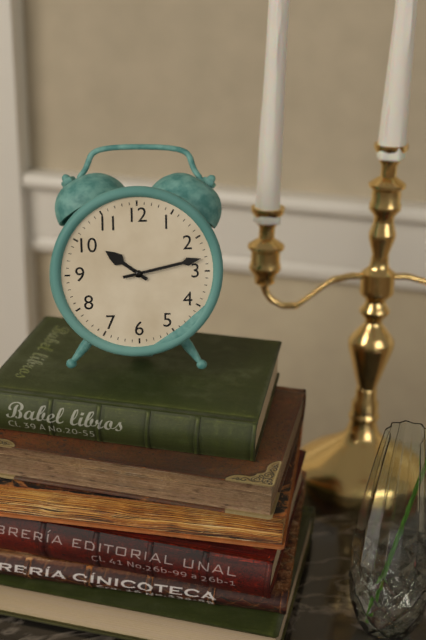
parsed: **10:13**
